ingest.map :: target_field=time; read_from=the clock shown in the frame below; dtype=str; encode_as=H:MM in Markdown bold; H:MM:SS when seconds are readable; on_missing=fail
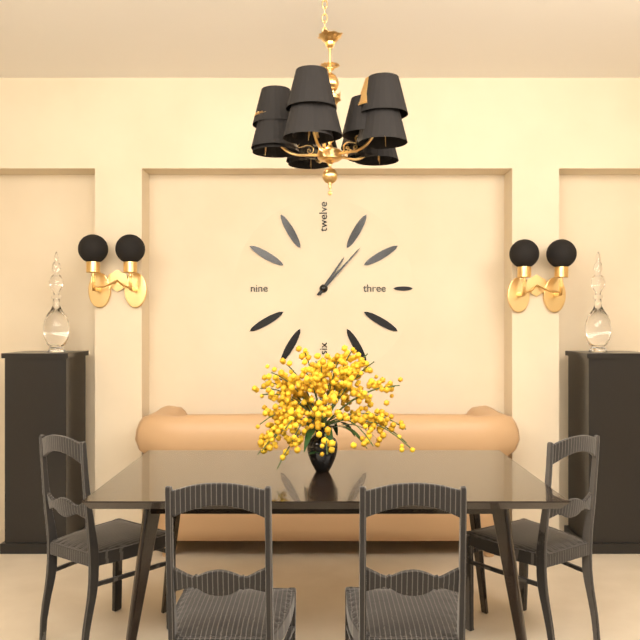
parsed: **1:07**
